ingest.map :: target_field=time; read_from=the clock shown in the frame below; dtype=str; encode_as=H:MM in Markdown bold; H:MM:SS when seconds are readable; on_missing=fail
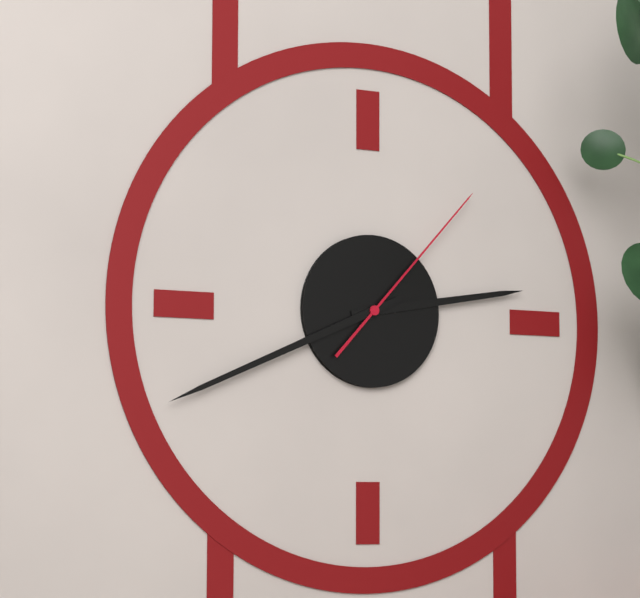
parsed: **2:41:07**
